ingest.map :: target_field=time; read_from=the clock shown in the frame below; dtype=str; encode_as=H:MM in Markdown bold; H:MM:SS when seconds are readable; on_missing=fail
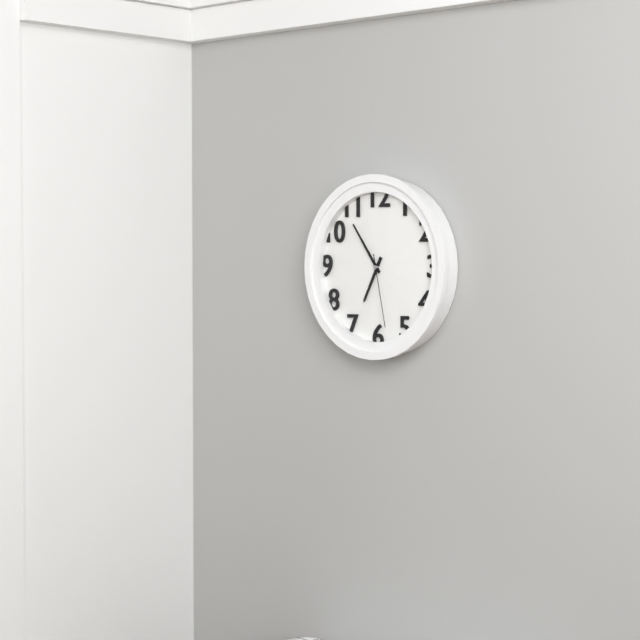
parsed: **6:54:28**
